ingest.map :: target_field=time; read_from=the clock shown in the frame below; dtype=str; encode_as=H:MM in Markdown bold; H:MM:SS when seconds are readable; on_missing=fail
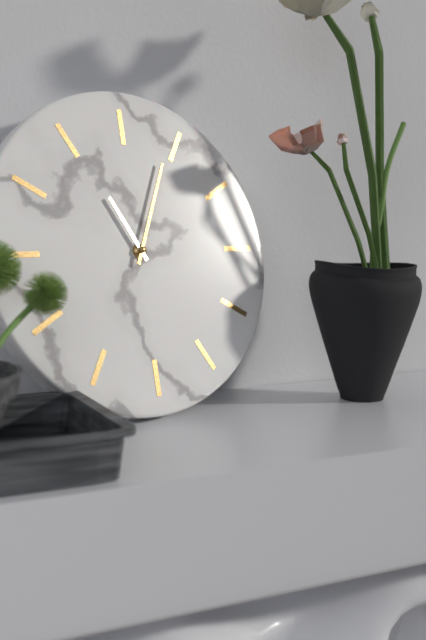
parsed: **11:04**
